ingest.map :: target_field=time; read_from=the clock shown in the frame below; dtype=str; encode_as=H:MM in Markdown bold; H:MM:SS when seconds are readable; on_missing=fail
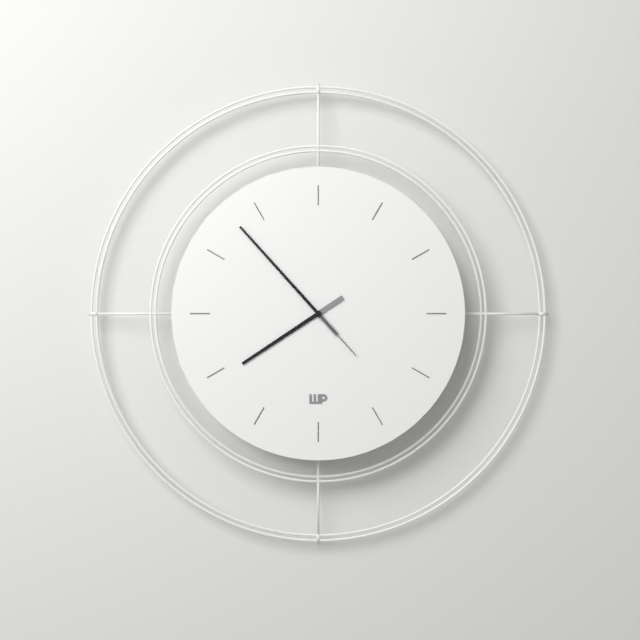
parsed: **7:53:23**
